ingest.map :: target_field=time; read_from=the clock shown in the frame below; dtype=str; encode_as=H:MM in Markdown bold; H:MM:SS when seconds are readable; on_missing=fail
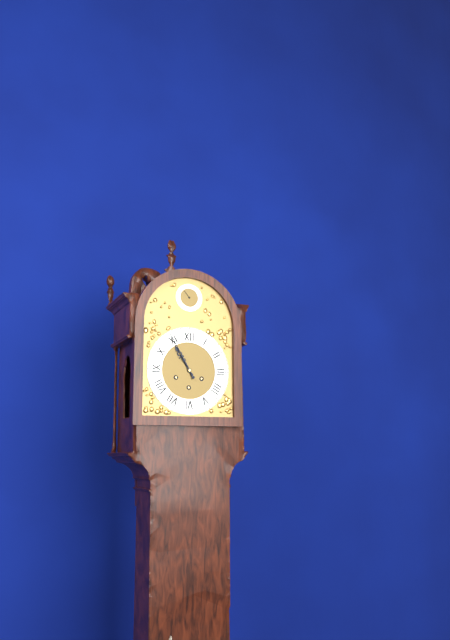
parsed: **10:55**
